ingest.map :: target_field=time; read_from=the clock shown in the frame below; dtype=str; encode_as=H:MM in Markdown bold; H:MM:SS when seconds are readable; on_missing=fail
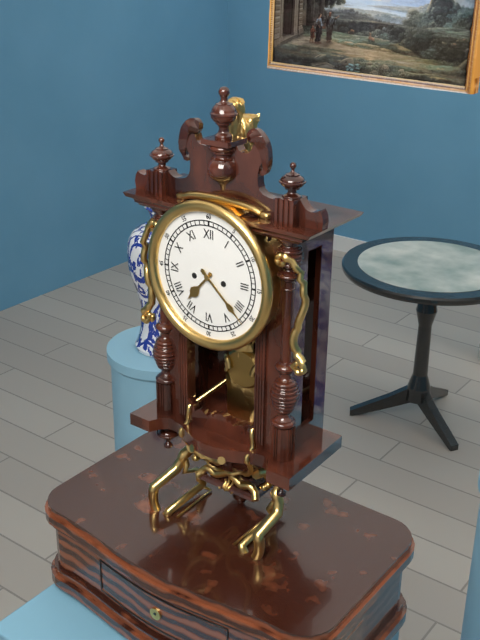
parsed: **7:22**
